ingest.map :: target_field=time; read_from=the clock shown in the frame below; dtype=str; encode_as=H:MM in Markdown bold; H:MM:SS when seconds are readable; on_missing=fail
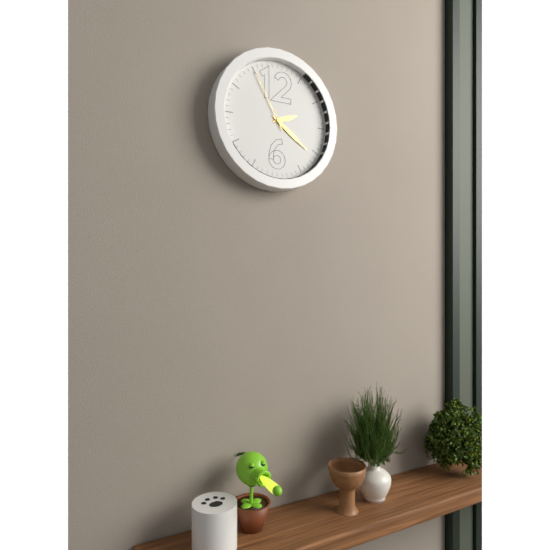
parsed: **2:21:55**
